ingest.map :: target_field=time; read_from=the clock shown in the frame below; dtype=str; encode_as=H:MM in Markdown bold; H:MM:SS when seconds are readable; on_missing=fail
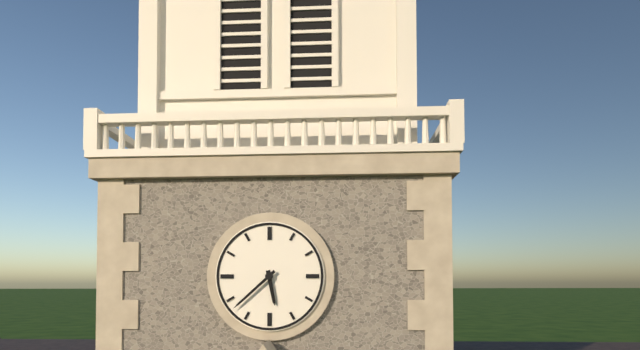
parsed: **5:38**
